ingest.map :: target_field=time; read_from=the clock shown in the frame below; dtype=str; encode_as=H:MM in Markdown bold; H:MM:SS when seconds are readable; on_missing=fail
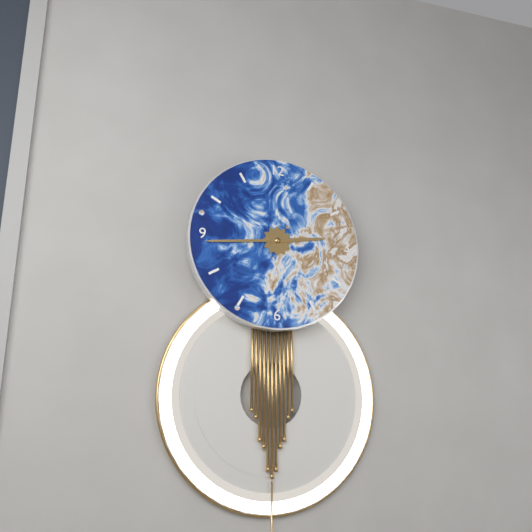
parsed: **2:44**
